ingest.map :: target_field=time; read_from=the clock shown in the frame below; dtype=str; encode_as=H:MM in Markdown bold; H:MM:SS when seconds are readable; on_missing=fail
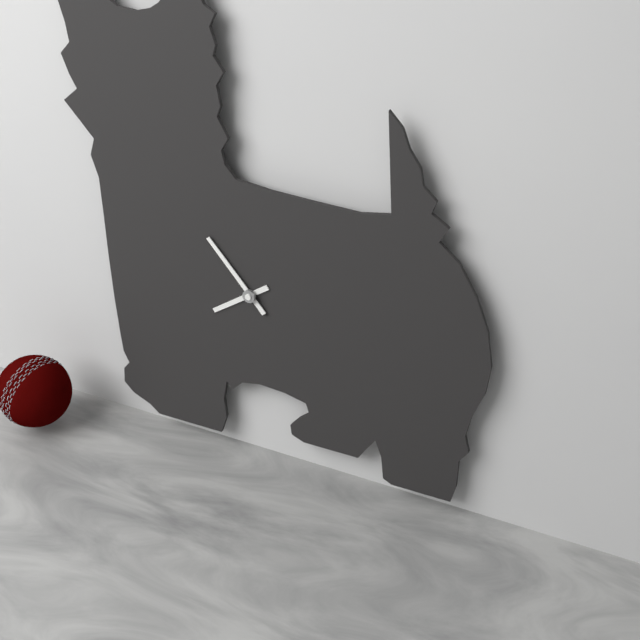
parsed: **7:53**
